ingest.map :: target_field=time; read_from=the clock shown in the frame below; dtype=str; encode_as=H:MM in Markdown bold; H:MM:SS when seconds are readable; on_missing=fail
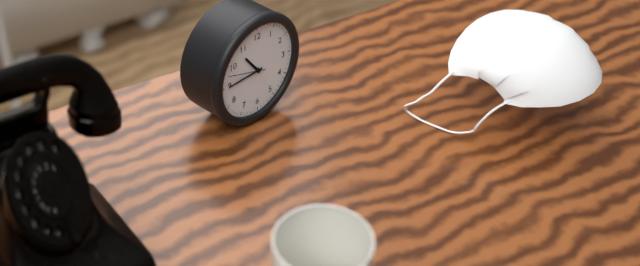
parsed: **10:45**
